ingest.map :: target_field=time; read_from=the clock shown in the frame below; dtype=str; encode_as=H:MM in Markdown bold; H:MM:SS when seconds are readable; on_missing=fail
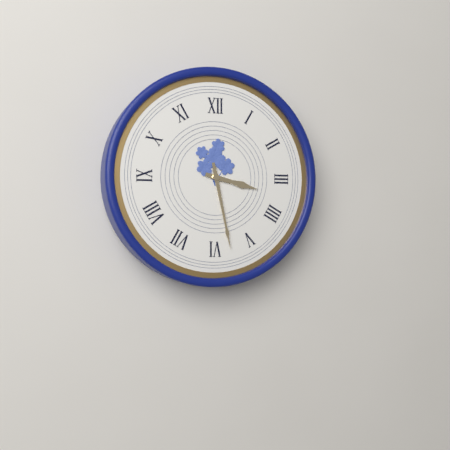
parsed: **3:28**
